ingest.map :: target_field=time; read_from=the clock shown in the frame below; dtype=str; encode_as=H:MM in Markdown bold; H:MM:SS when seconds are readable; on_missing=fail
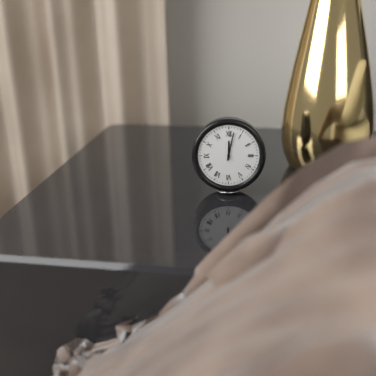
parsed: **12:02**
